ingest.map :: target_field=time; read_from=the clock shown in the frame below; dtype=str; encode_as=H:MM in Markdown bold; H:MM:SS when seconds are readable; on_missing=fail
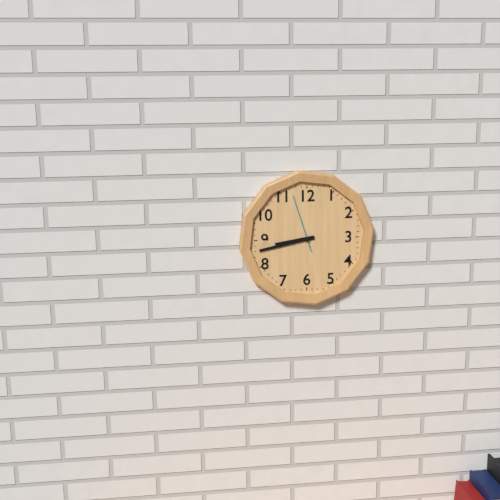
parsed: **8:43:57**
